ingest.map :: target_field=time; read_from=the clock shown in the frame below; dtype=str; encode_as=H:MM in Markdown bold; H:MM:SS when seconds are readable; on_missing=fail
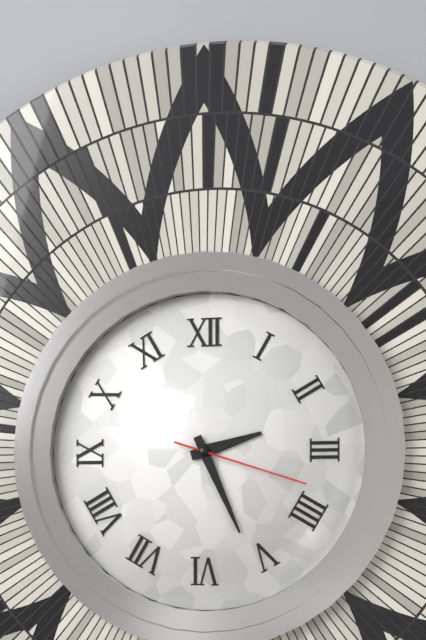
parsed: **2:26:18**
